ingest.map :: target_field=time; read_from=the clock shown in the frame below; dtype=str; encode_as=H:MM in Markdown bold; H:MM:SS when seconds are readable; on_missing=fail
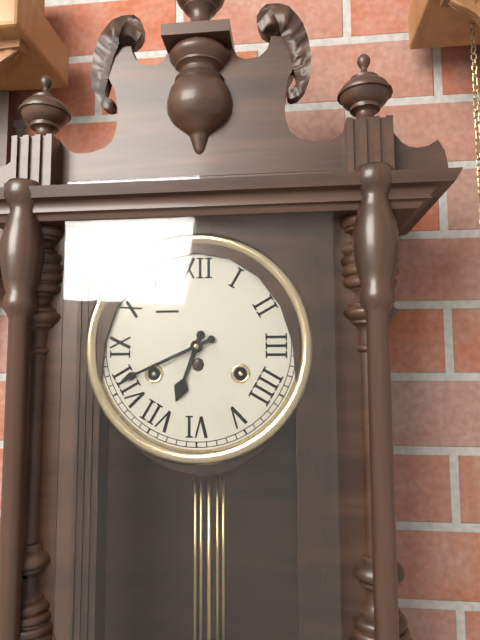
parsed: **6:41**
